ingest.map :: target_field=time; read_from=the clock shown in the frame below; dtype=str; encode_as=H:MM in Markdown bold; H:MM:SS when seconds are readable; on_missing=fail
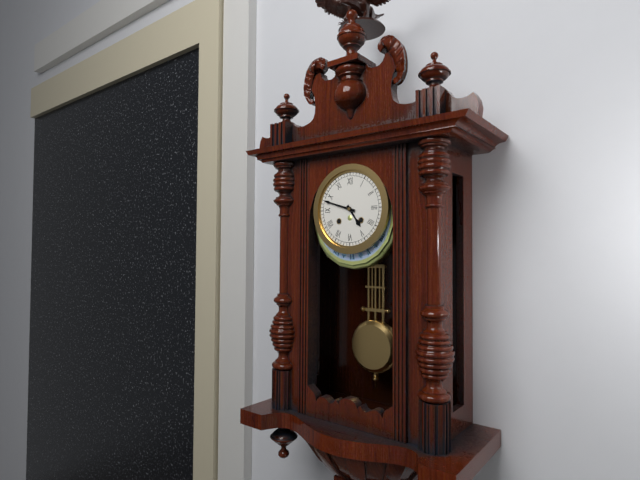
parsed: **4:48**
